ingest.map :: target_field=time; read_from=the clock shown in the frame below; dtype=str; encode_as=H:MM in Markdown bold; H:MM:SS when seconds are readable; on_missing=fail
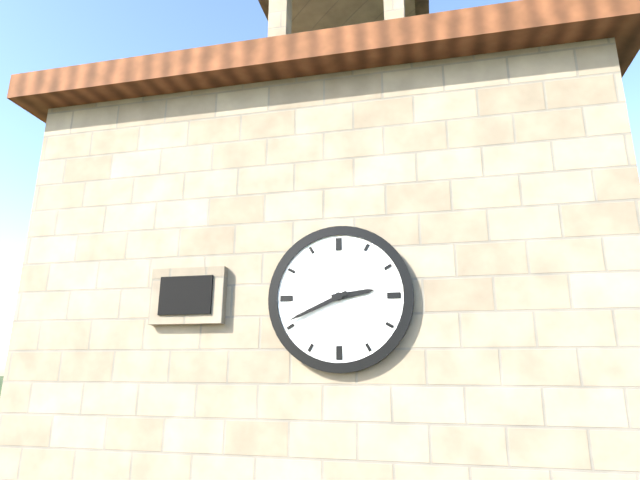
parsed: **2:41**
